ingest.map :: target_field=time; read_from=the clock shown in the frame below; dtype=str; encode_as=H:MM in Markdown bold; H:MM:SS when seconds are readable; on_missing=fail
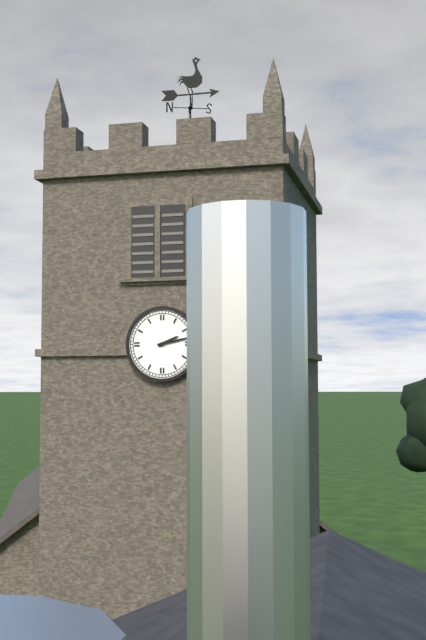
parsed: **2:13**
